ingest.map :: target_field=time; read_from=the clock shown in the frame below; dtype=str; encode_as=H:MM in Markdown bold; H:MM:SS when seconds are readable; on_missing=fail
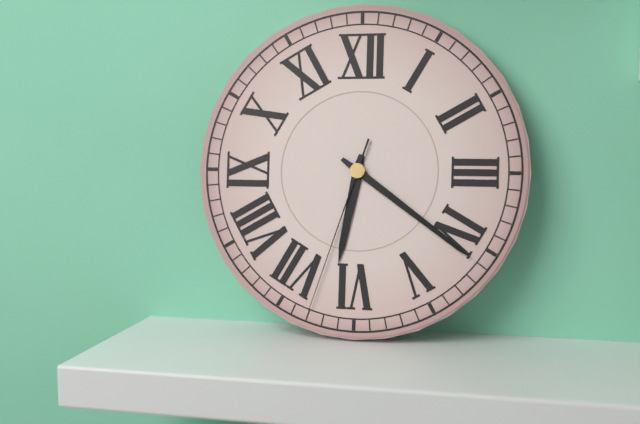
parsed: **6:21:33**
